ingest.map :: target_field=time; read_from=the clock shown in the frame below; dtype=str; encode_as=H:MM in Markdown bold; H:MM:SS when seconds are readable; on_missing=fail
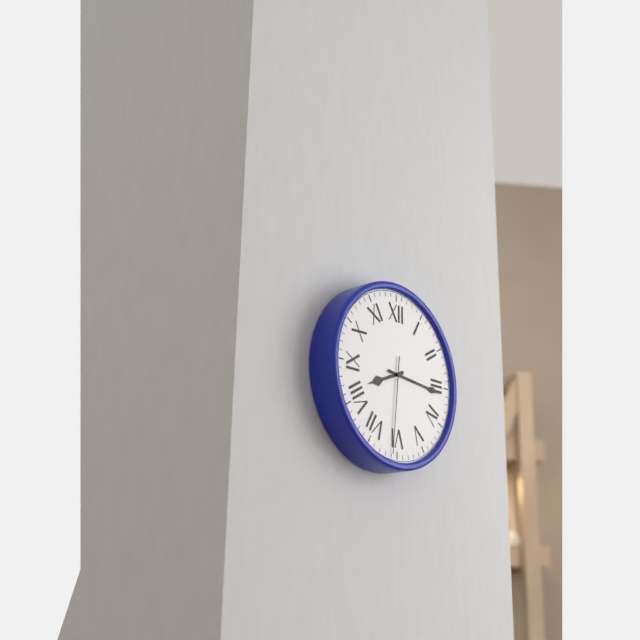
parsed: **8:16:31**
